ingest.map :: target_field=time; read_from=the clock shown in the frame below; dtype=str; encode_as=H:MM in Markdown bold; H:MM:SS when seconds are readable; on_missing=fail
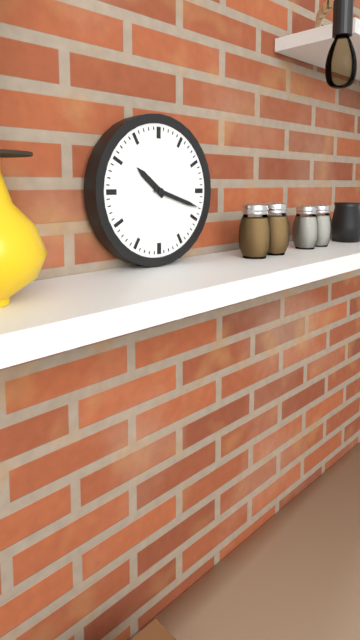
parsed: **10:18**
